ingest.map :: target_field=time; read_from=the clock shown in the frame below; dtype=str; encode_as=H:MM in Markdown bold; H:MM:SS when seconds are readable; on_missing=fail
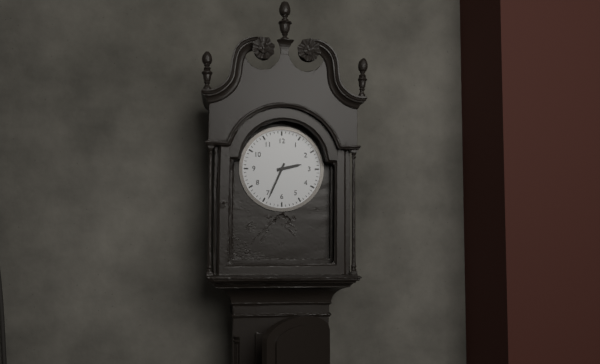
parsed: **2:34**
